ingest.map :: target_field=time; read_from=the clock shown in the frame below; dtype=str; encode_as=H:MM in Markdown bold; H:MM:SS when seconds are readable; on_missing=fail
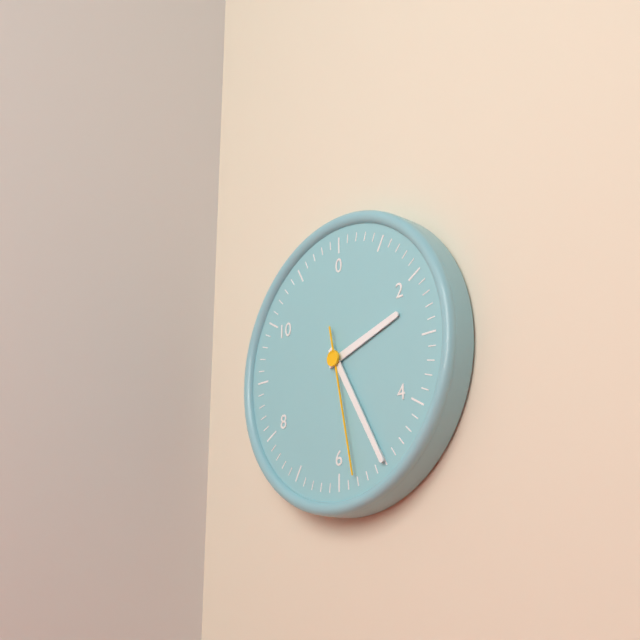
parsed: **2:25:28**
